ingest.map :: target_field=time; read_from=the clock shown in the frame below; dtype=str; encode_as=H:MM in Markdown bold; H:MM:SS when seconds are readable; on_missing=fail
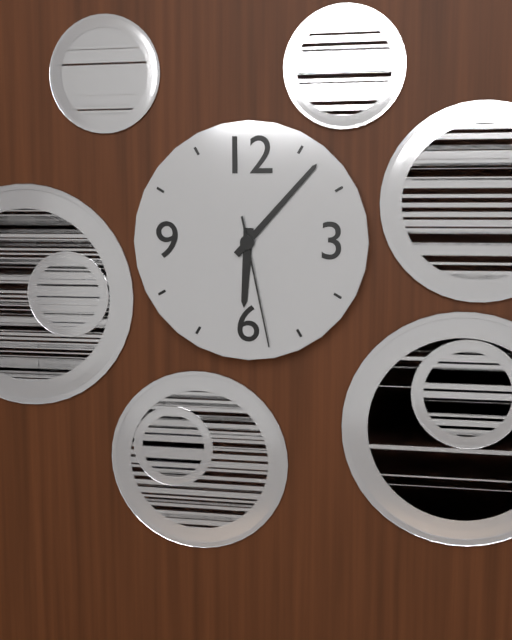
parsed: **6:07:28**
